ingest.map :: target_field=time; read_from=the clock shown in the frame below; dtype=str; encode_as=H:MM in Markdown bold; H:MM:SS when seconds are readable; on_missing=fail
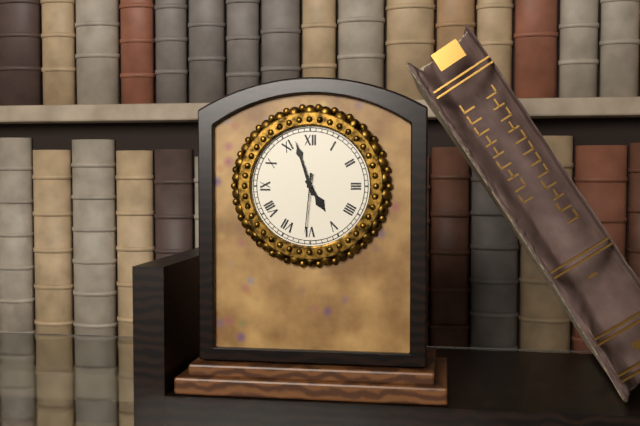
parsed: **4:57:31**
